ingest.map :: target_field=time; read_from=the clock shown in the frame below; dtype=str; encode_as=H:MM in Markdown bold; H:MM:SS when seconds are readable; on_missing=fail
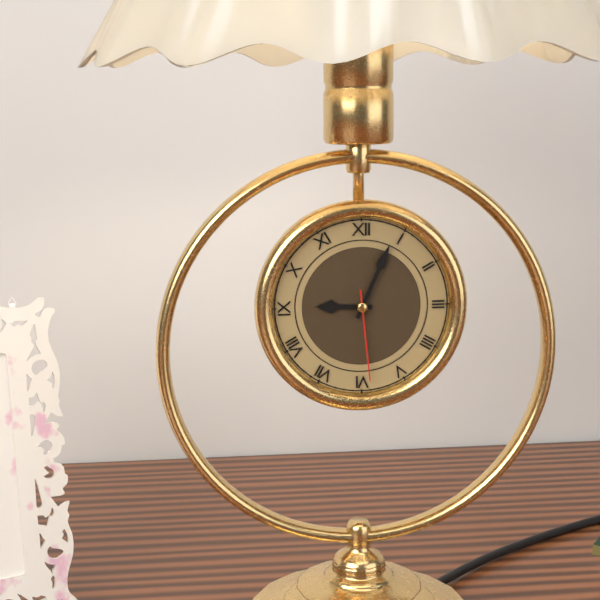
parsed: **9:04:29**
